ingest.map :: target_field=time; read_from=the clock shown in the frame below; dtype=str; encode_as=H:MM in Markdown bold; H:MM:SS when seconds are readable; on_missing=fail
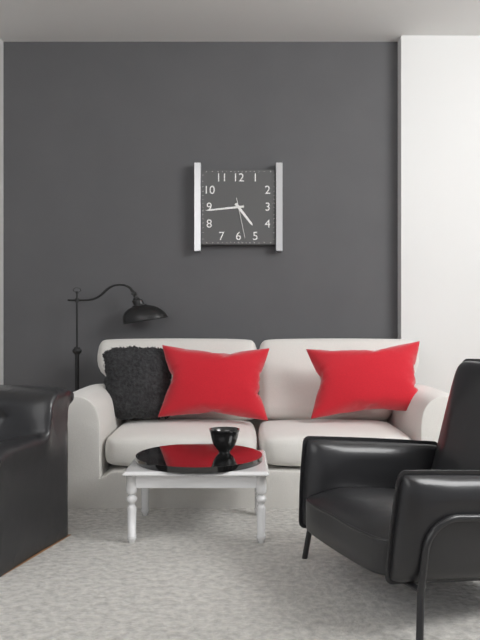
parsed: **4:44**
